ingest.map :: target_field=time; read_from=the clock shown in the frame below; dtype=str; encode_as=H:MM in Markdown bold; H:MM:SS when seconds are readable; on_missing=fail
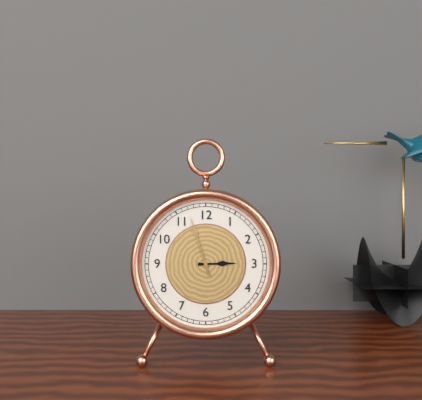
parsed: **2:57**
